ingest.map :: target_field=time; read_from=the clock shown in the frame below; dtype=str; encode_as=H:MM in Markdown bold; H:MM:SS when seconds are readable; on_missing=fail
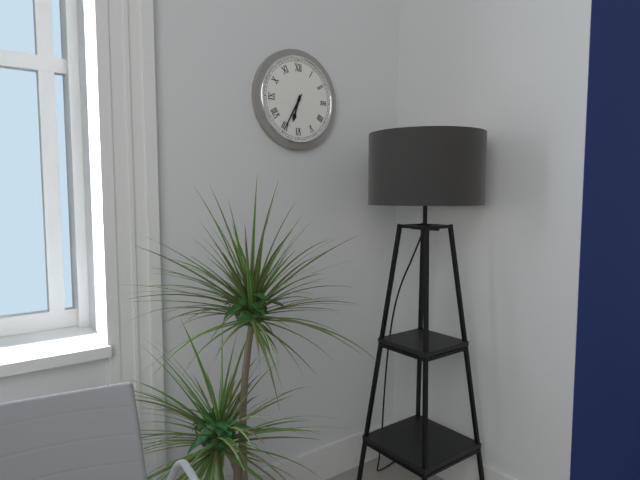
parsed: **6:35**
